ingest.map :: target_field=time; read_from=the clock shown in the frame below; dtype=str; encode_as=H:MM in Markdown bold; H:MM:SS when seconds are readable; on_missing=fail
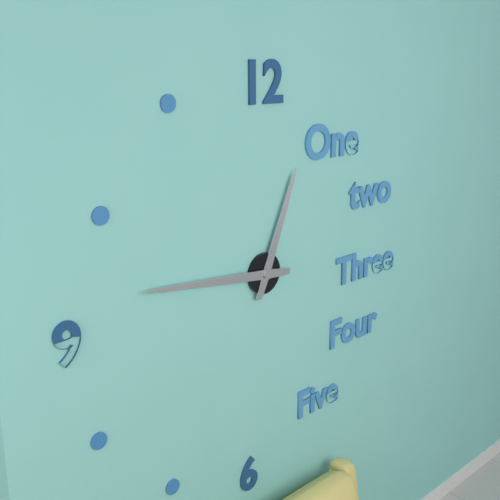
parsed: **12:46**
